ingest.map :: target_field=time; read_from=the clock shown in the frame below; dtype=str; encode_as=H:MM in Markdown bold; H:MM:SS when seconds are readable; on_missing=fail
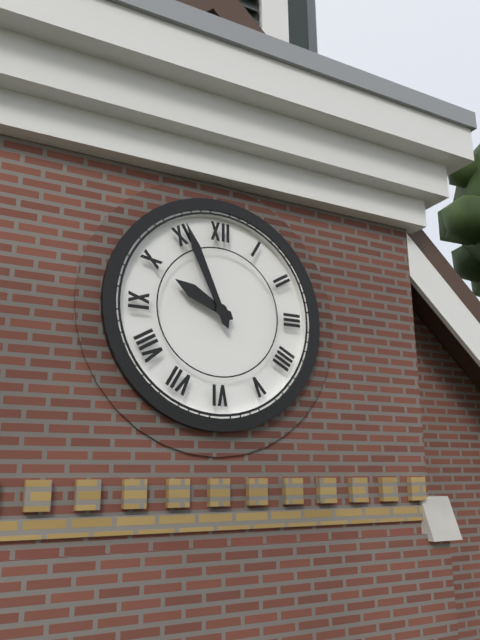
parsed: **9:56**
